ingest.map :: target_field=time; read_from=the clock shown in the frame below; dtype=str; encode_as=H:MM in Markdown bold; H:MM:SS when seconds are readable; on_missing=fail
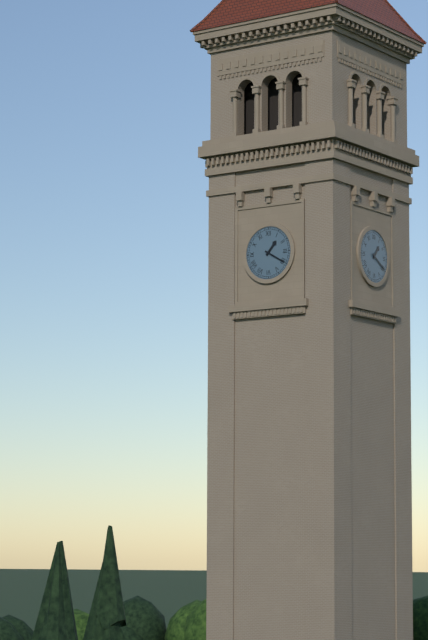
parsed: **1:20**
